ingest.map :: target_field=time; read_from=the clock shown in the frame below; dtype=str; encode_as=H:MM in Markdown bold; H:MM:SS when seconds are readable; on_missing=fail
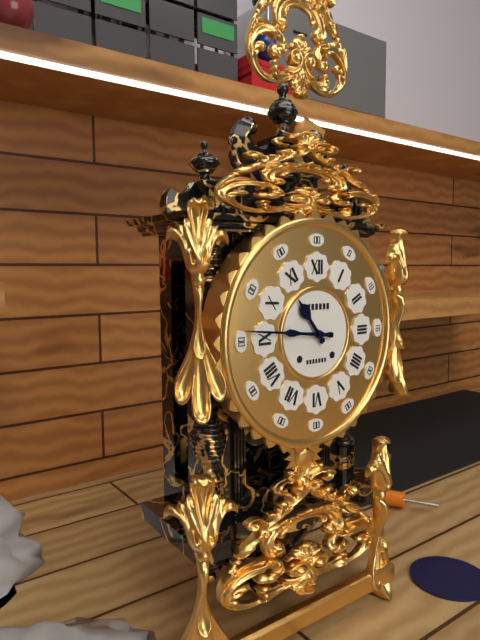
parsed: **10:46**
